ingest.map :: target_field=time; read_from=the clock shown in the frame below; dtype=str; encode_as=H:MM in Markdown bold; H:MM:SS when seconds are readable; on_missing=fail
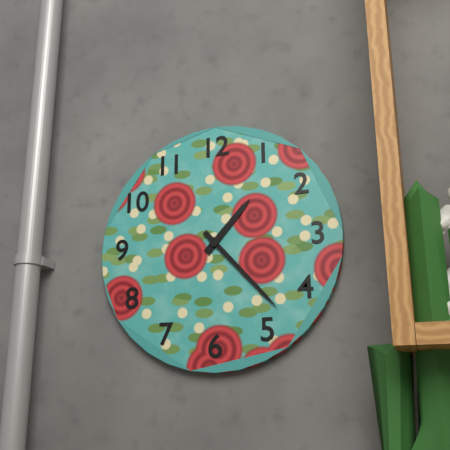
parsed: **1:23**
